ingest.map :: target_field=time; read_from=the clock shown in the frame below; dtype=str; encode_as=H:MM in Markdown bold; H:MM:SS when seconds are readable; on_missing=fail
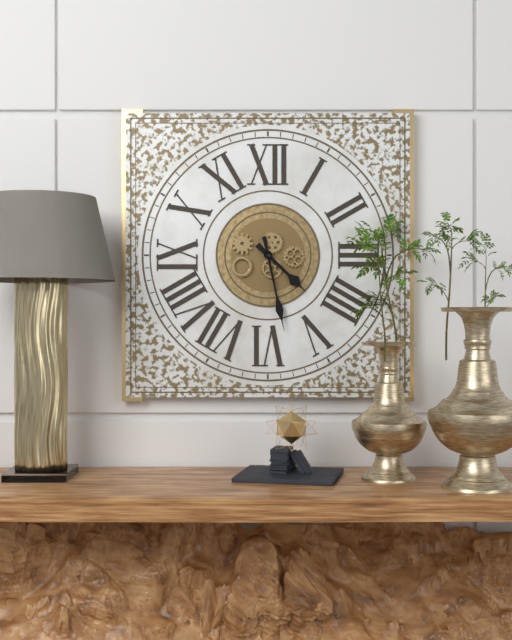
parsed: **4:28**
